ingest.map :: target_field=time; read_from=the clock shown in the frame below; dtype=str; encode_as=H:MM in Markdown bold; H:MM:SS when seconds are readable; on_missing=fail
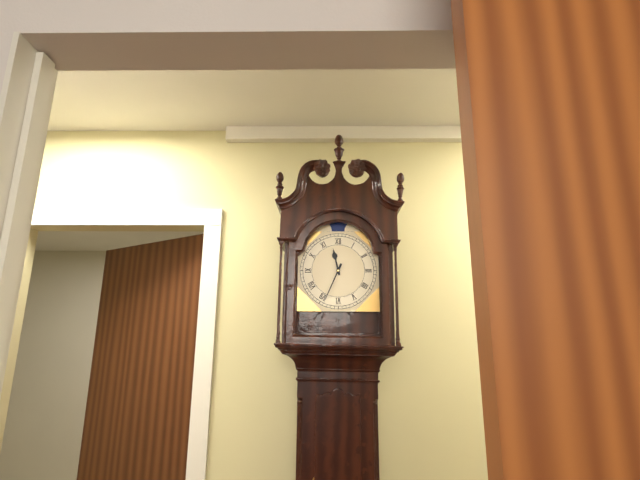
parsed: **11:34**
